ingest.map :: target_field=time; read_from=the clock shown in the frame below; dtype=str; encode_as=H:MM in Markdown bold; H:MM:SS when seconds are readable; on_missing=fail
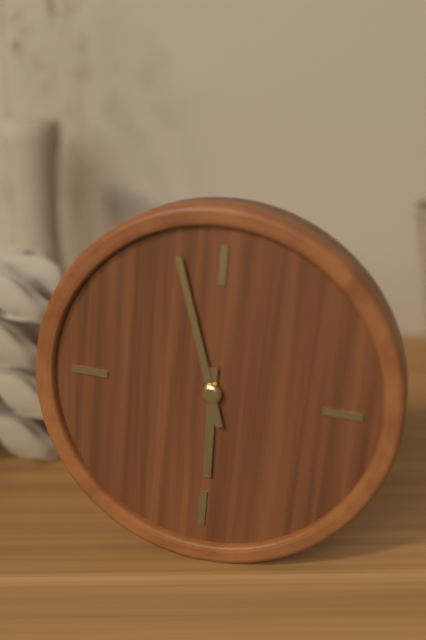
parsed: **5:57**
